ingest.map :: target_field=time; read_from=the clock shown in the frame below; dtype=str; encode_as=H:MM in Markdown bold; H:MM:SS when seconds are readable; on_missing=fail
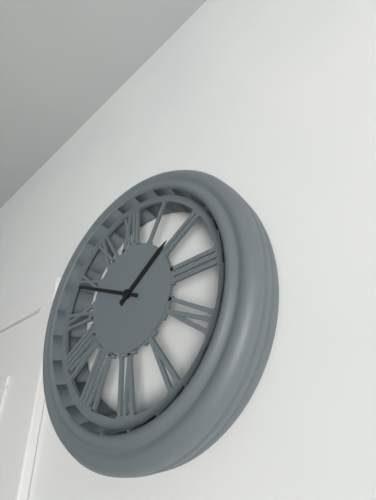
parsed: **1:49**
